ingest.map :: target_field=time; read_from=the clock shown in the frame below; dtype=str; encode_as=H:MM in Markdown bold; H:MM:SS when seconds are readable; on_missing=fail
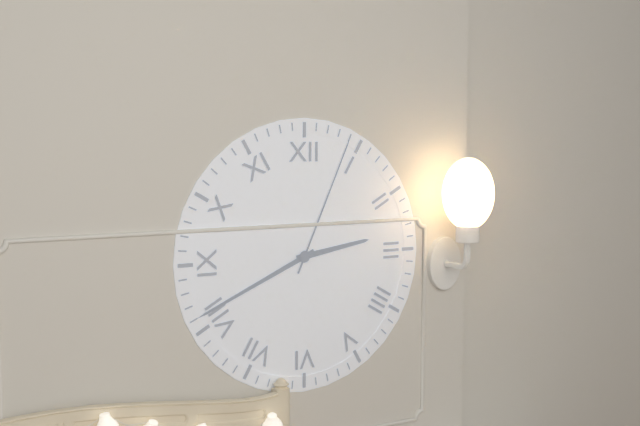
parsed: **2:41:04**
